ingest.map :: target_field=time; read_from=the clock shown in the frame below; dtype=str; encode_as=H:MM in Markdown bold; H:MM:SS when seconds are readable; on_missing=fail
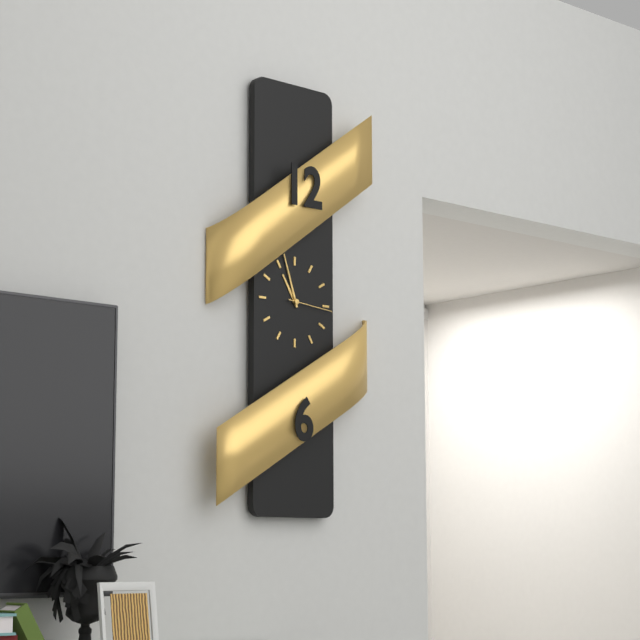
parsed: **10:57**
